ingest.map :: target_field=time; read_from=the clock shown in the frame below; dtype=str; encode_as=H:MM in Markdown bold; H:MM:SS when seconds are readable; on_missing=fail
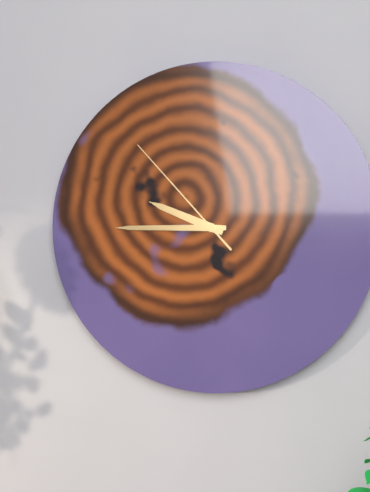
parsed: **9:45:53**
